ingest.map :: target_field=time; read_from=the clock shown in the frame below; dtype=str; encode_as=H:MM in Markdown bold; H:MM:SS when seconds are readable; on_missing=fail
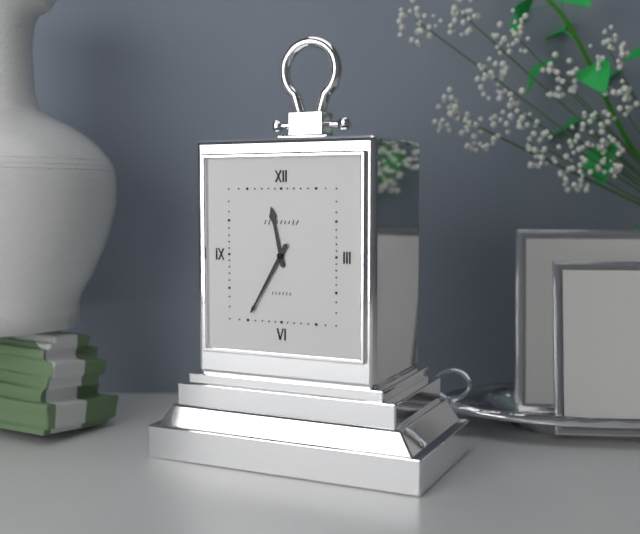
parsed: **11:35**
